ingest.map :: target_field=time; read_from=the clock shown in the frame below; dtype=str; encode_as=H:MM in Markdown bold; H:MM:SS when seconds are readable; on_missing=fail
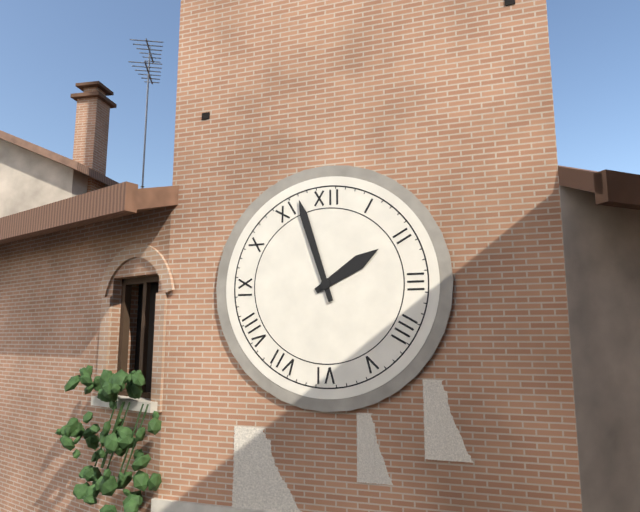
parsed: **1:57**
